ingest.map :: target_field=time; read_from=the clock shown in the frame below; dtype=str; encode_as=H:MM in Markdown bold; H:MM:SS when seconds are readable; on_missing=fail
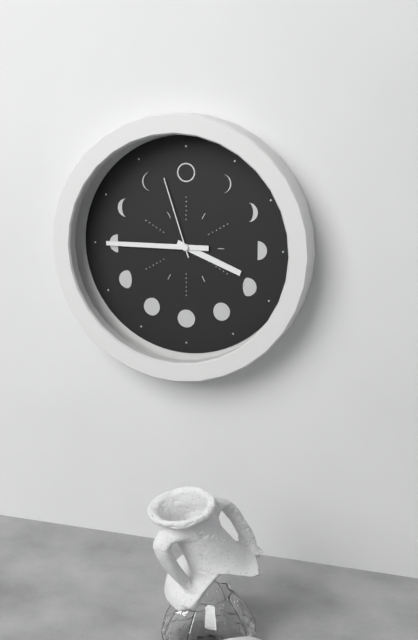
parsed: **3:45:57**
